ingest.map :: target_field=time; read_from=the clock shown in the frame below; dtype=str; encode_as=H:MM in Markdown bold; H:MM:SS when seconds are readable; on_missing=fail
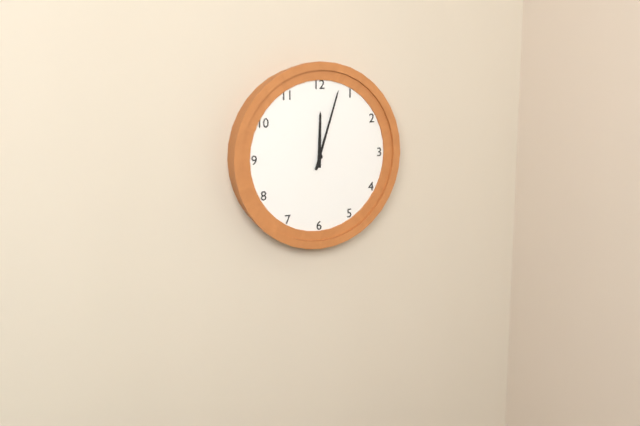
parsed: **12:03**
